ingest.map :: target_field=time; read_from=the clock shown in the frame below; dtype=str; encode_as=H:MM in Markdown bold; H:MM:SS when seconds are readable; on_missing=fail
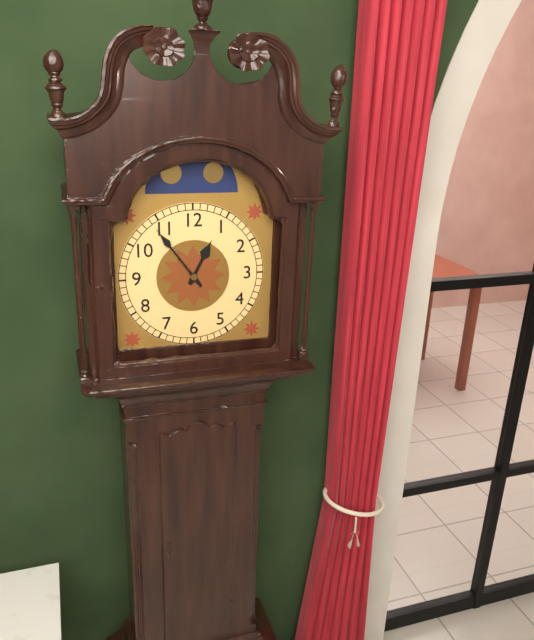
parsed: **12:54**
